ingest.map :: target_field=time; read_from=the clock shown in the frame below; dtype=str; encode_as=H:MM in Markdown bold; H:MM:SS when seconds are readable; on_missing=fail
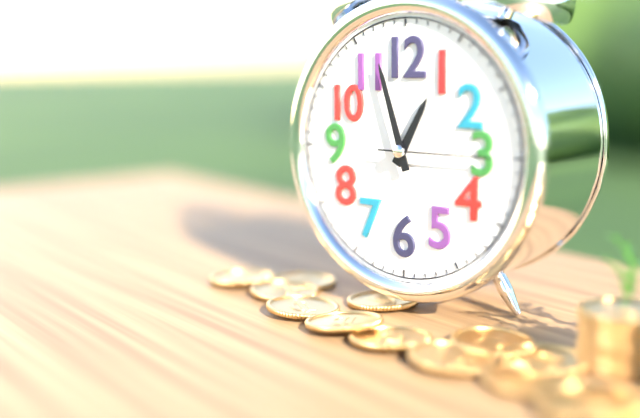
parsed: **12:57:15**
